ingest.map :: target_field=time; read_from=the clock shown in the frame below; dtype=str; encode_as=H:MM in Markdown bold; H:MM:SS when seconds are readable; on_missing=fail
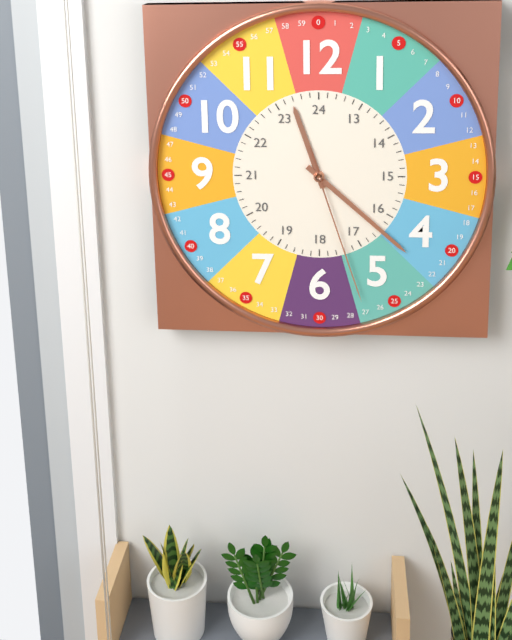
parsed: **11:22:27**
